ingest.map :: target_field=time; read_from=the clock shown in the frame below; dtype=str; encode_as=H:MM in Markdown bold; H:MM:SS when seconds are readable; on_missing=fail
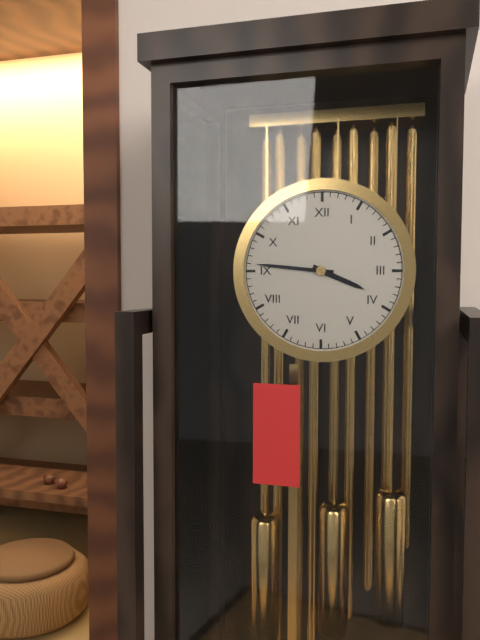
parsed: **3:46**
